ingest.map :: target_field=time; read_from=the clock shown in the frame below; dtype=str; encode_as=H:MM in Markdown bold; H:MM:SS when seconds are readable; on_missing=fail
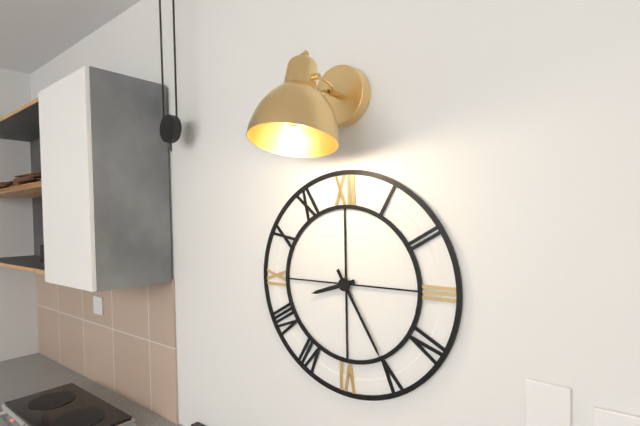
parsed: **8:25**
